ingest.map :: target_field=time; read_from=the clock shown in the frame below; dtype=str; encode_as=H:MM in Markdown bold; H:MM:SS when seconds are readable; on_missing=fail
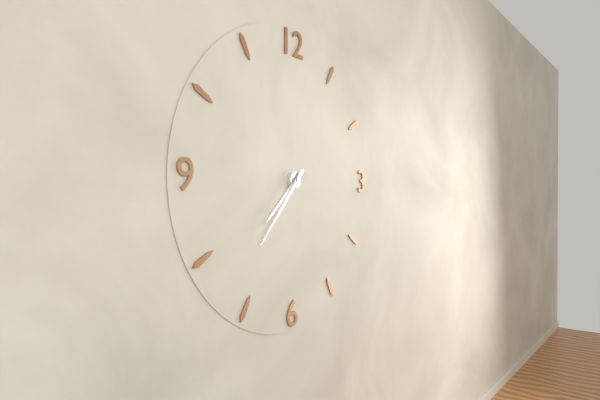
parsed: **7:37**
